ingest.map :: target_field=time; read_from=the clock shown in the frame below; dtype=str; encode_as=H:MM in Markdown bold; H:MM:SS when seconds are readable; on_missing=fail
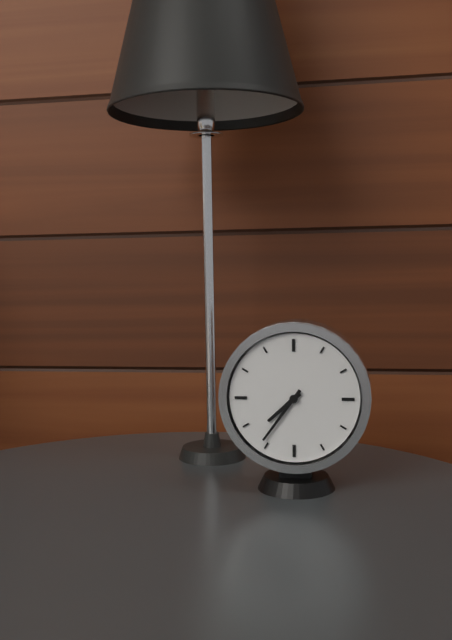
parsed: **7:36**
